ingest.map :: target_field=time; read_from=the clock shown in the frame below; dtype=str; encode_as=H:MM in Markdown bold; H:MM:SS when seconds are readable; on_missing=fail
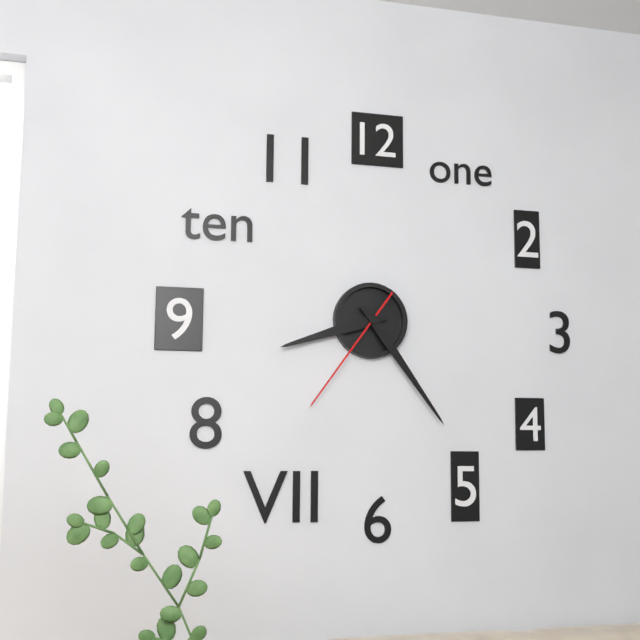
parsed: **8:24:36**
